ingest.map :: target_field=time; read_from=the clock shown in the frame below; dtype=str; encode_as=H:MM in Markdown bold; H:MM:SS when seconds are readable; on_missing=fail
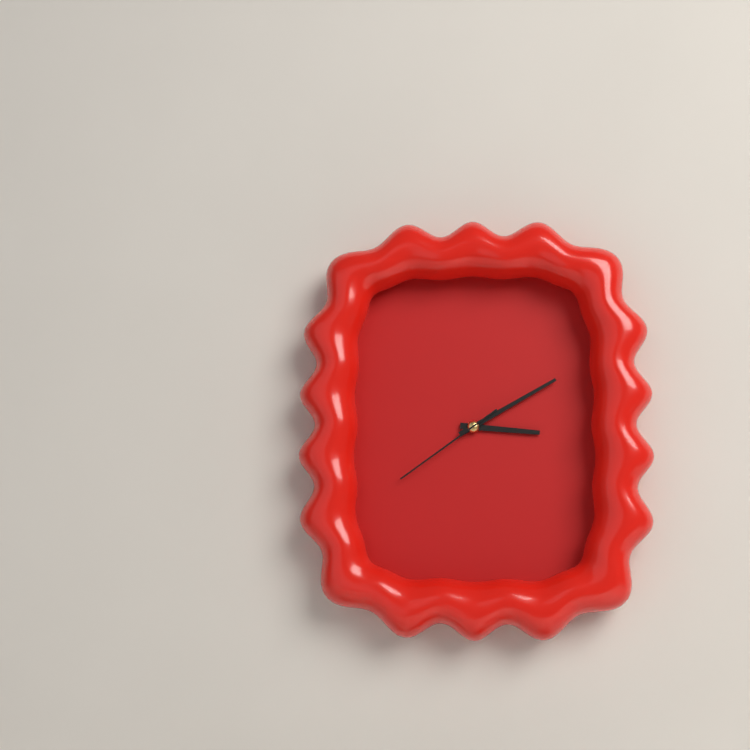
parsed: **3:10:39**
